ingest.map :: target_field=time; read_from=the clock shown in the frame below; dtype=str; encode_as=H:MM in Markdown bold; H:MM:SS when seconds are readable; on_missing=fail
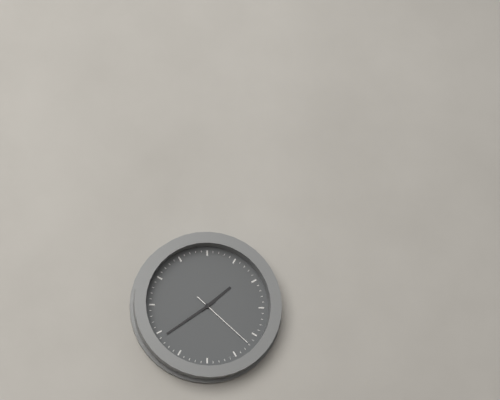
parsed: **1:39:22**
